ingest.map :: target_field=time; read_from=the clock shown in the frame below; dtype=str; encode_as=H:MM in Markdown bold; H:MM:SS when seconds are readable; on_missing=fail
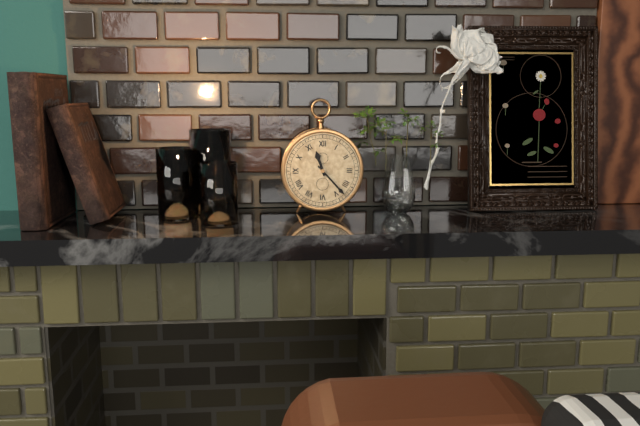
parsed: **11:23**
